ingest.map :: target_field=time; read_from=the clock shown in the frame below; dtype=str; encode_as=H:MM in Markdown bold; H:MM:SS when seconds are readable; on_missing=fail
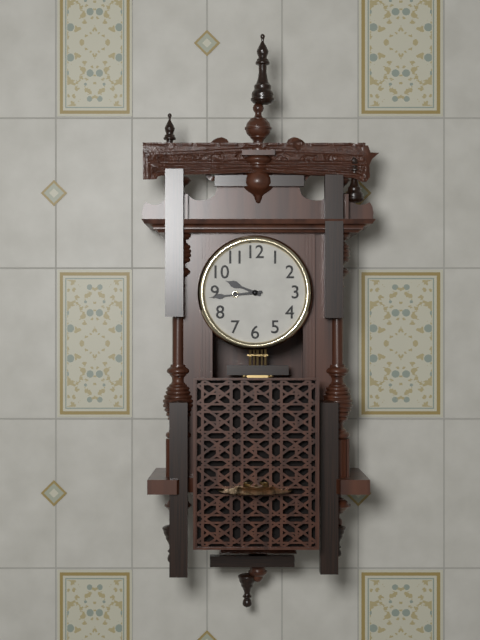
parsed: **9:44**
